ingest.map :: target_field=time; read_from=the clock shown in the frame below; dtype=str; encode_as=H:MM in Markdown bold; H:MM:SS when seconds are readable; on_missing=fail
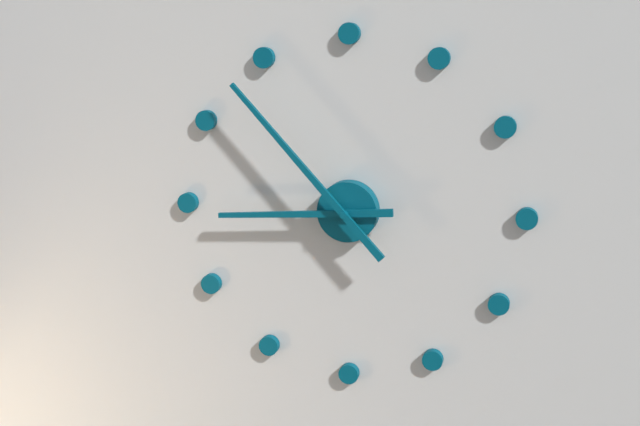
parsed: **8:53**
